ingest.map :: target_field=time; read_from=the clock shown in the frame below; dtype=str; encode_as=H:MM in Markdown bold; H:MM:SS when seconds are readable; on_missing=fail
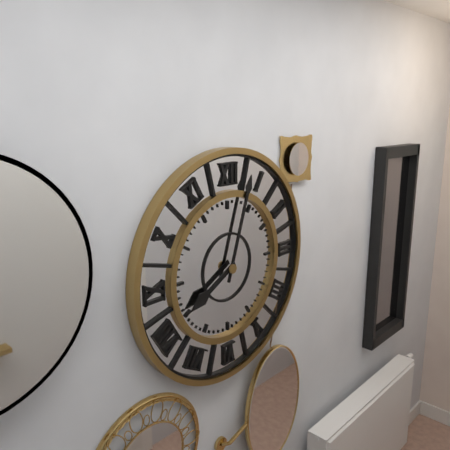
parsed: **8:03**
